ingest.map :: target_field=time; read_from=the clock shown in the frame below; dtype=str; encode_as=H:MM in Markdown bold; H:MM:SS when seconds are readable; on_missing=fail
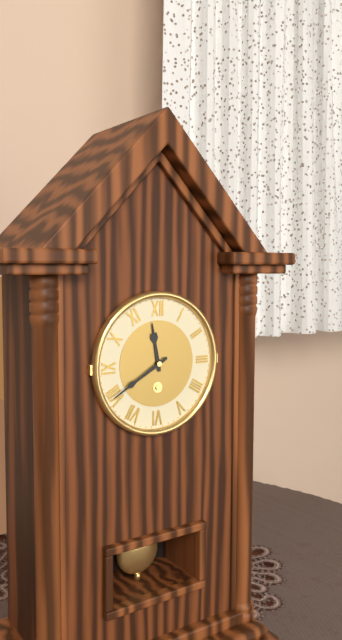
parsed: **11:40**
